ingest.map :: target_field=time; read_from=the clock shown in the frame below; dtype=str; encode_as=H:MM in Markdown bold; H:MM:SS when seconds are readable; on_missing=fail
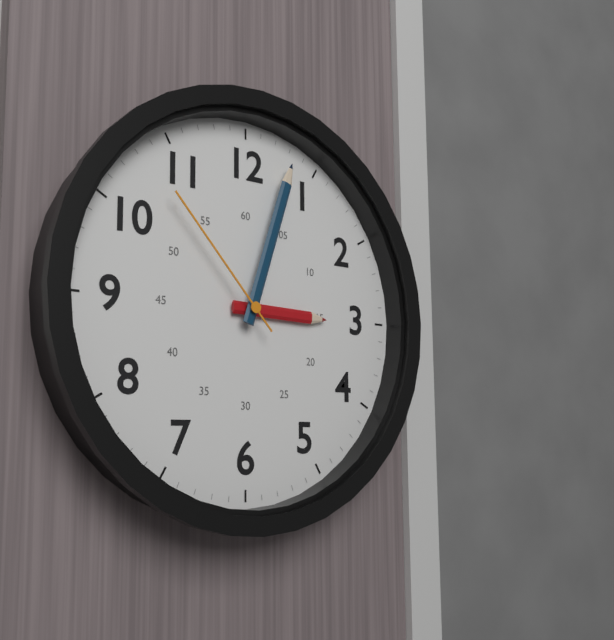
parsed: **3:03:53**
